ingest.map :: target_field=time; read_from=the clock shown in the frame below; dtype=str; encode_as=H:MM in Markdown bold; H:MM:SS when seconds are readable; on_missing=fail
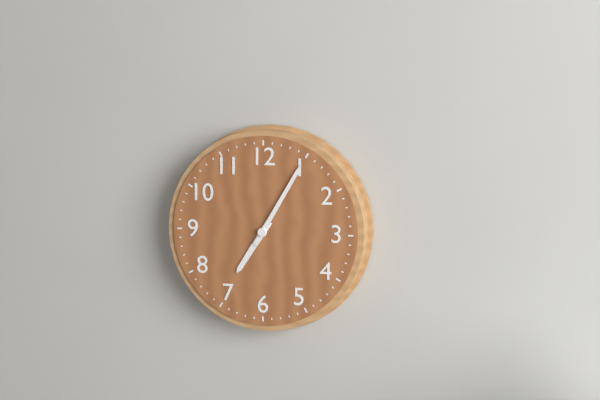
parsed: **7:05**
